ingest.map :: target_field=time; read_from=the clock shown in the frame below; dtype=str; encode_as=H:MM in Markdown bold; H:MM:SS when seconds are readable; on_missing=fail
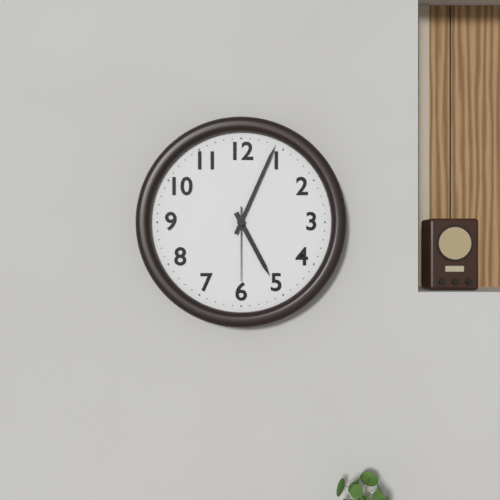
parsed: **5:04:30**
